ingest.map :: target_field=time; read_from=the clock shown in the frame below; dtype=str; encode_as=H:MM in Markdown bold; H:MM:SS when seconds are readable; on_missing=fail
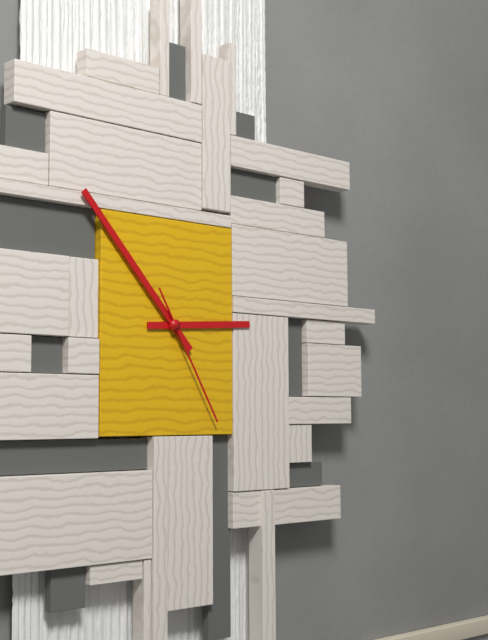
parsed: **2:53:25**
